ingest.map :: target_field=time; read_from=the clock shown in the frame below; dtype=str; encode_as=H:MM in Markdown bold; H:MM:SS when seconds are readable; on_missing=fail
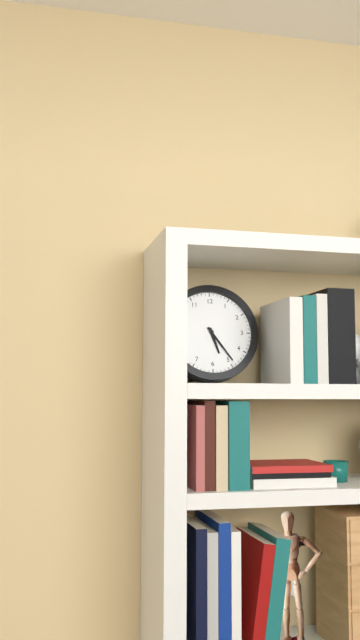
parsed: **5:24**
